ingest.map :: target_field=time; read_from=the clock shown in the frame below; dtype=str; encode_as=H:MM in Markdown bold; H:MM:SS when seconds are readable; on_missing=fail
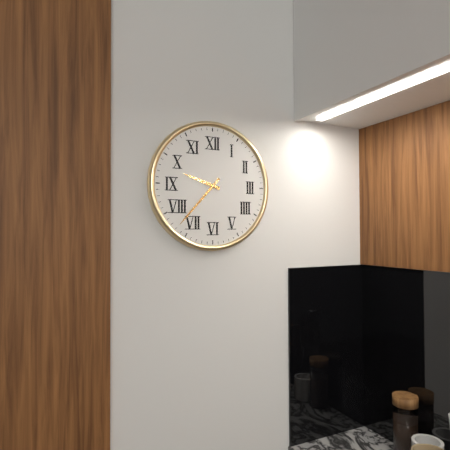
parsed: **9:37**
